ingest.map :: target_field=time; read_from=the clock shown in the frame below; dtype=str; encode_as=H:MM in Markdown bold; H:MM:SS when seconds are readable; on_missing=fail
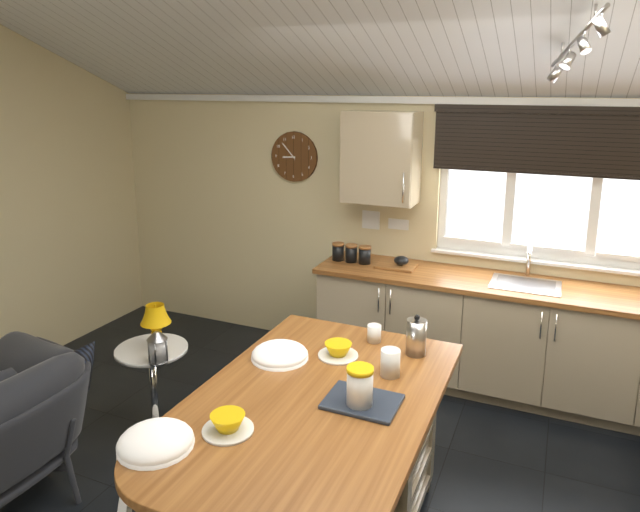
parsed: **8:53**
